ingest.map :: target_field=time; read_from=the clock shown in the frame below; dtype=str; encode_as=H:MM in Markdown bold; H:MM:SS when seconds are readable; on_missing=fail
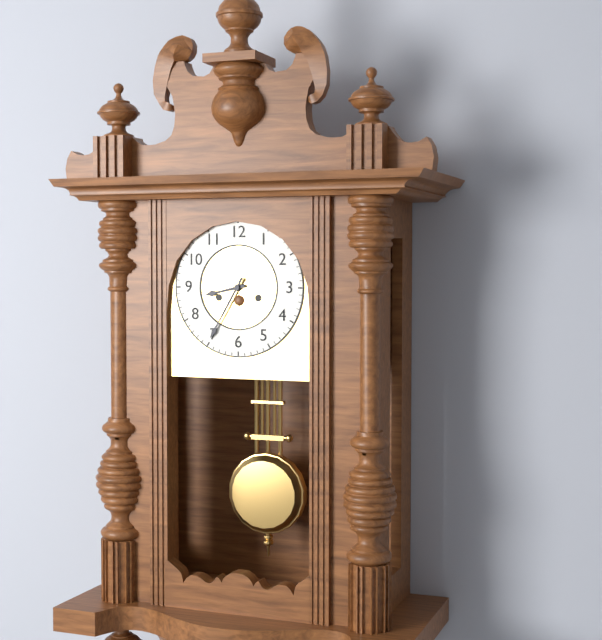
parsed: **8:35**
